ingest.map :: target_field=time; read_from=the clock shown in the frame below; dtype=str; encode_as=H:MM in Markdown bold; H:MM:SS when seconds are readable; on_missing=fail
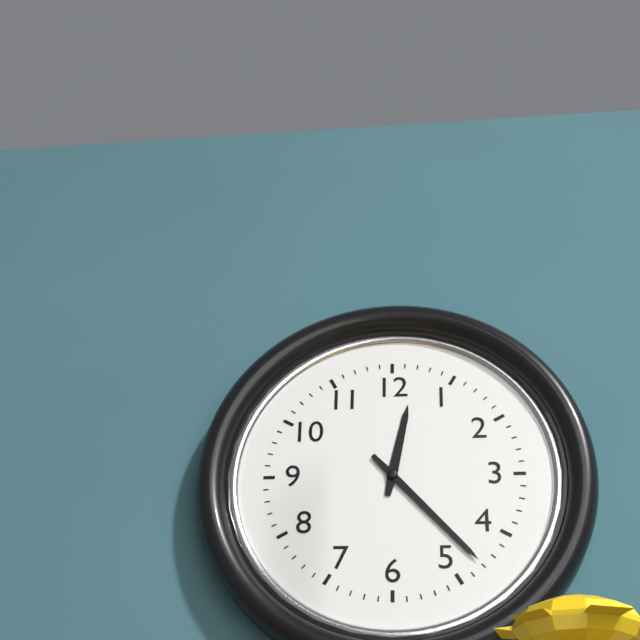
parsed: **12:23**
